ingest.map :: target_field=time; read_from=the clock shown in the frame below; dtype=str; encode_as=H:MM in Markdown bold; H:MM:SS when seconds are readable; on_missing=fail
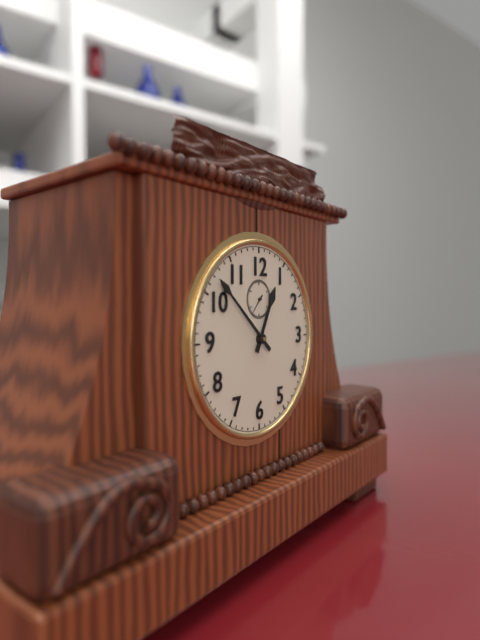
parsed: **12:52**
